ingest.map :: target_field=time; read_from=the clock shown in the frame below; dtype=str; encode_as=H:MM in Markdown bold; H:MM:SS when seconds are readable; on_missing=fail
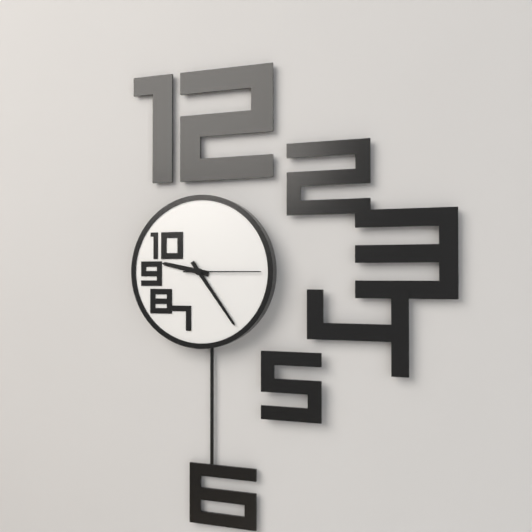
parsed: **9:24:15**
